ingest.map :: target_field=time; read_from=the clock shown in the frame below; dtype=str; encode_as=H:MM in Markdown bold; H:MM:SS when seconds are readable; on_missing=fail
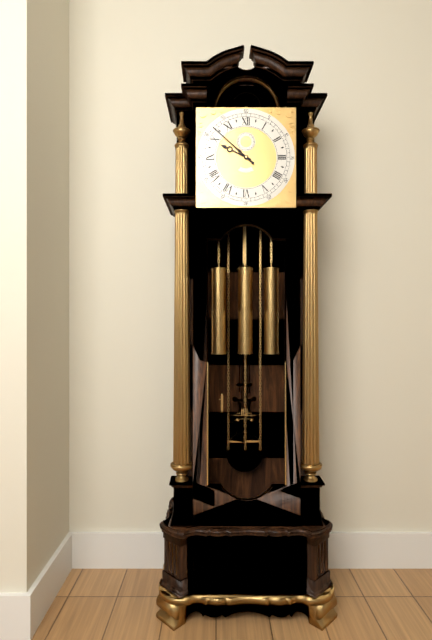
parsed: **9:52**
